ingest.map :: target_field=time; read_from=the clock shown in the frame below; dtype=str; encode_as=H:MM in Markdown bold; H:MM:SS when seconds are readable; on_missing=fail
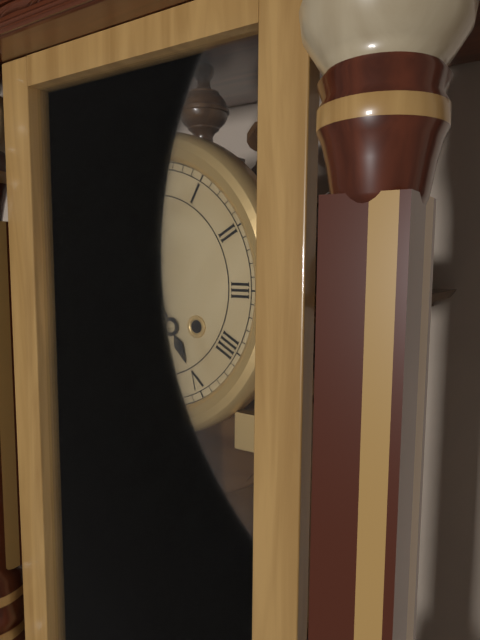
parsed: **5:01**
